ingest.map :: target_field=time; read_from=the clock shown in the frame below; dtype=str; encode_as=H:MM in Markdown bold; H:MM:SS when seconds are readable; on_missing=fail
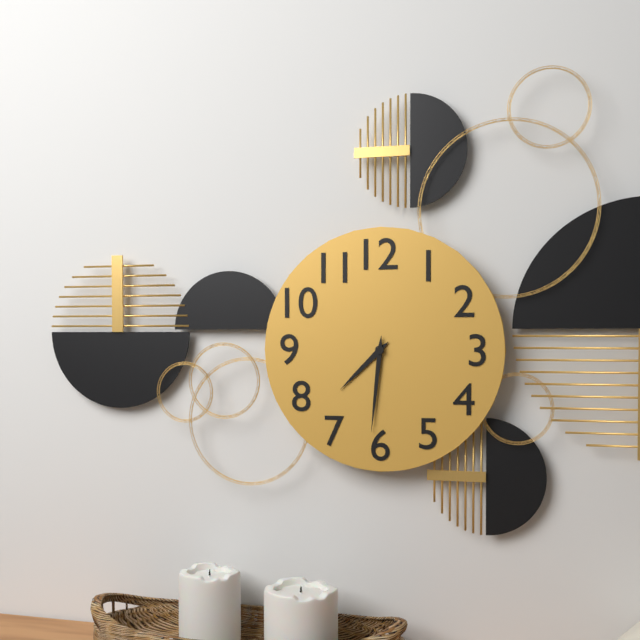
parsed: **7:31**
